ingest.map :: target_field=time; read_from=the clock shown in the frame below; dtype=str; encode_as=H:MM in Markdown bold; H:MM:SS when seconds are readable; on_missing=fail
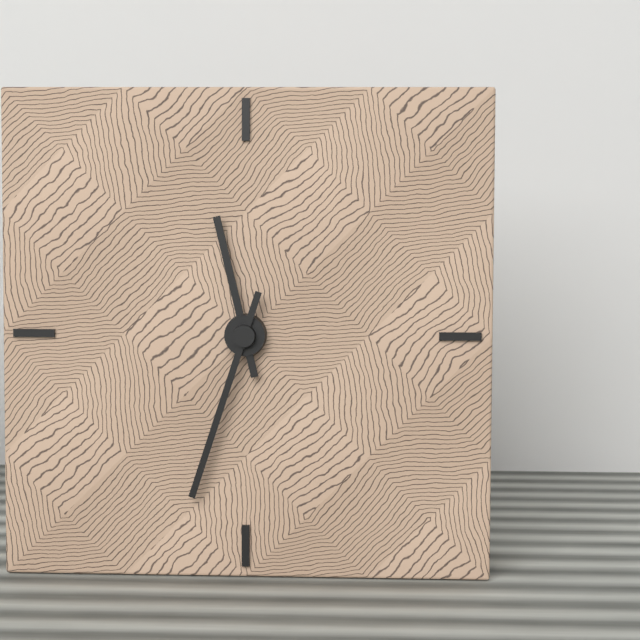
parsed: **11:33**
